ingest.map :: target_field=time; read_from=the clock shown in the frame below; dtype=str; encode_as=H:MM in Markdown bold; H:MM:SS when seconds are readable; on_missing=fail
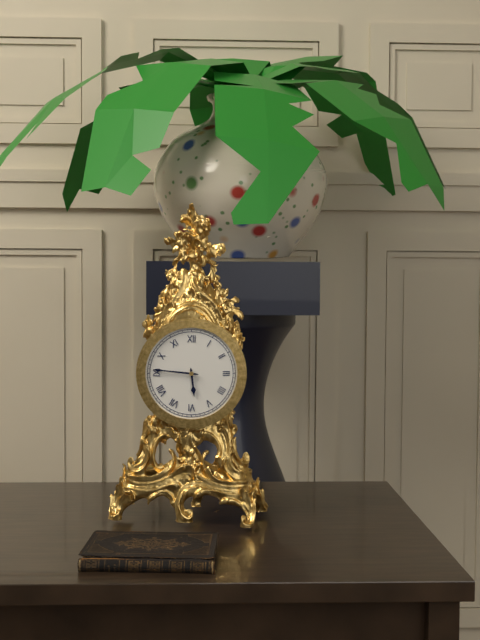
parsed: **5:46**
